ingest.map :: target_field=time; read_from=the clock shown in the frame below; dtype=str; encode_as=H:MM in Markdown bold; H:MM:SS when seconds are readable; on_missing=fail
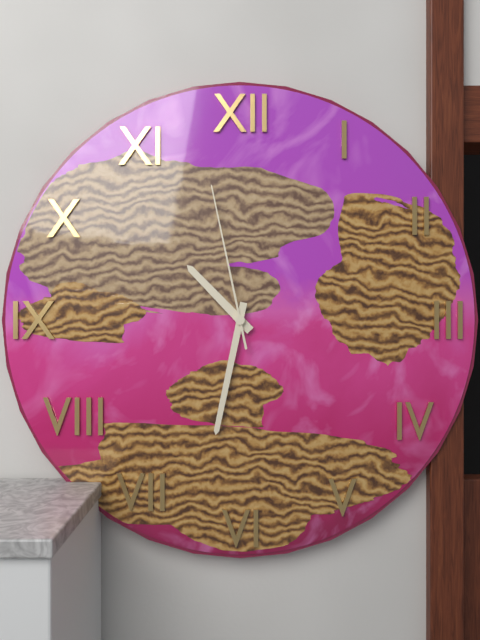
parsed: **10:32:58**
